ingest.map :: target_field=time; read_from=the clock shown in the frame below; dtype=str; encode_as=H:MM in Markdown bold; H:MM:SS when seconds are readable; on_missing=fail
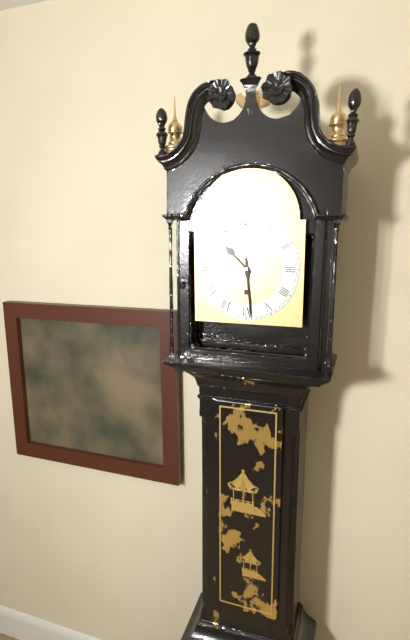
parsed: **10:29**
